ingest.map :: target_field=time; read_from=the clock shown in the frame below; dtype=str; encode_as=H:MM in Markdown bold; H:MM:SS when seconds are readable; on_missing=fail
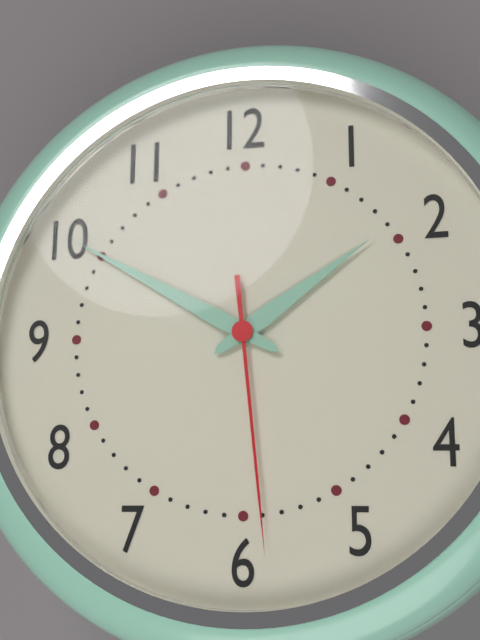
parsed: **1:50:29**
